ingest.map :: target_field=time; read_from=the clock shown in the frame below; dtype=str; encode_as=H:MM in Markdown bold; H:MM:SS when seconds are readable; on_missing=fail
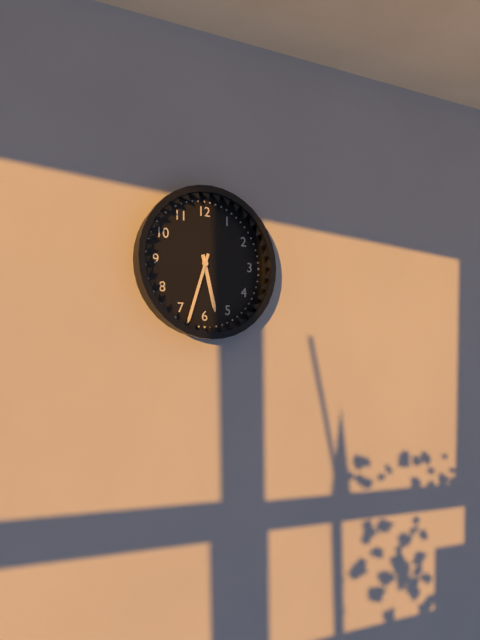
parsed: **5:33**
